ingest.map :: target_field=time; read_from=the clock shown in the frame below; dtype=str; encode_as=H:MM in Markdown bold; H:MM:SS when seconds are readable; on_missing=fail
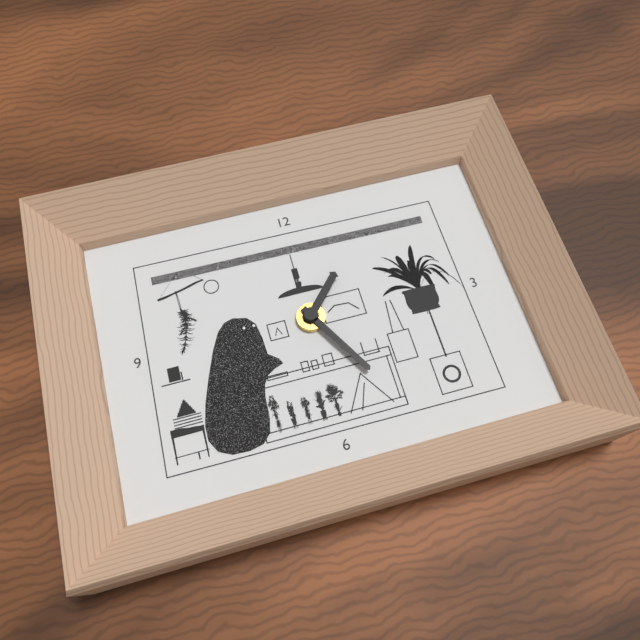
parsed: **1:25**
